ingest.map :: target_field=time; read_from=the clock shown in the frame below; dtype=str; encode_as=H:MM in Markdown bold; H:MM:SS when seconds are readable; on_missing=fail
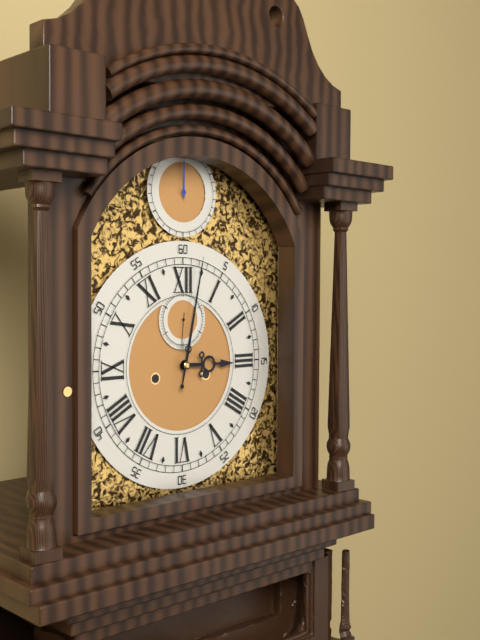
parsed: **3:02**
